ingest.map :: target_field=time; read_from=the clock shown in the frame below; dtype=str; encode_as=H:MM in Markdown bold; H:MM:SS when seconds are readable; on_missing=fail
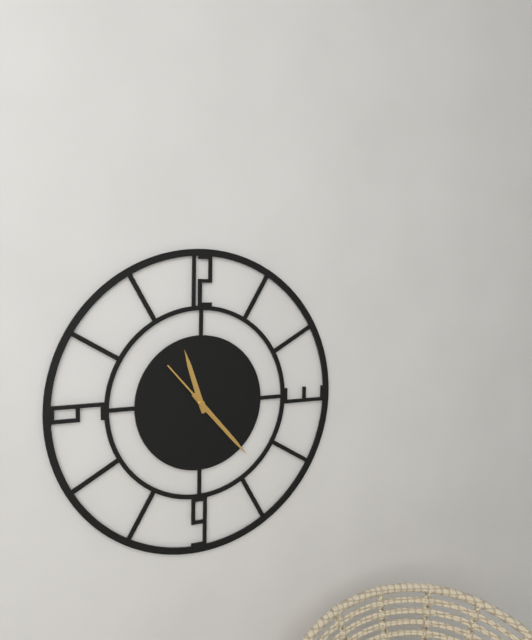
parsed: **11:23:53**
